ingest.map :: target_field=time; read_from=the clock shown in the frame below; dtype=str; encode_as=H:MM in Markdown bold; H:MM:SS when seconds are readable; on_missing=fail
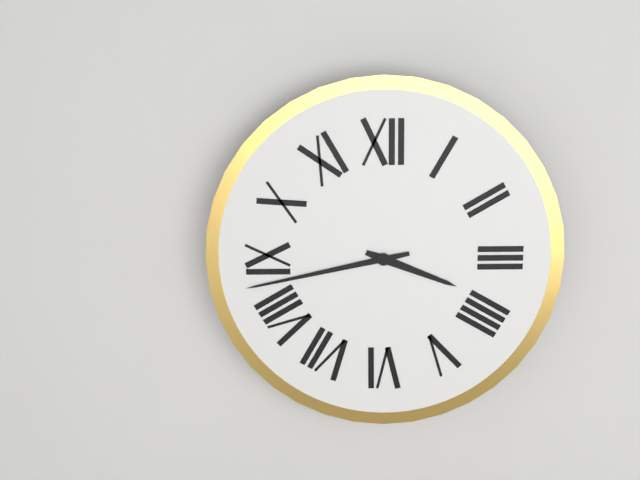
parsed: **3:43**
